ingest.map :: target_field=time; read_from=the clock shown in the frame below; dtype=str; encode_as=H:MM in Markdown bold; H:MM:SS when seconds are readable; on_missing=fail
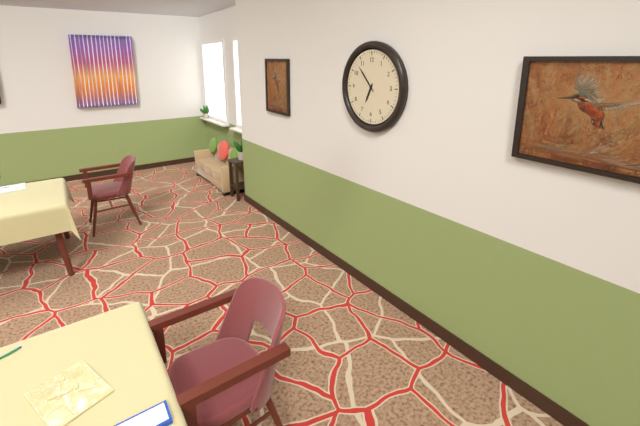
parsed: **6:53**
